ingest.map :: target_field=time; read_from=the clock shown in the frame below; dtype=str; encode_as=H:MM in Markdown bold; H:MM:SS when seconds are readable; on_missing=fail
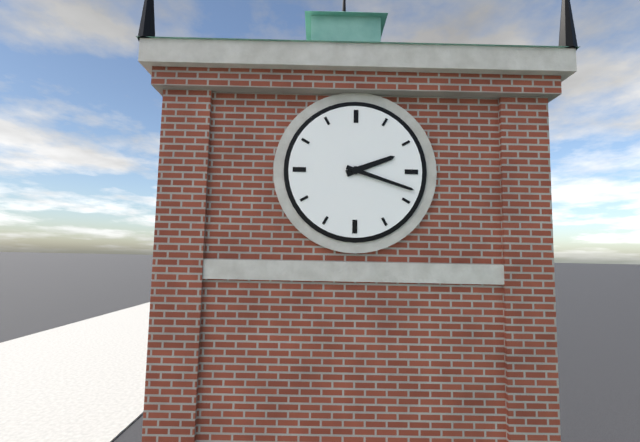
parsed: **2:18**
